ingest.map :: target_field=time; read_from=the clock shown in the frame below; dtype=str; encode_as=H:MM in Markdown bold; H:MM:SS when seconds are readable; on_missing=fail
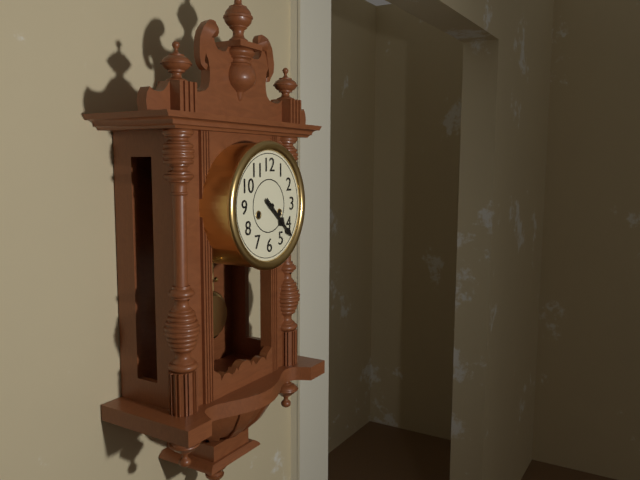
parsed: **4:22**
